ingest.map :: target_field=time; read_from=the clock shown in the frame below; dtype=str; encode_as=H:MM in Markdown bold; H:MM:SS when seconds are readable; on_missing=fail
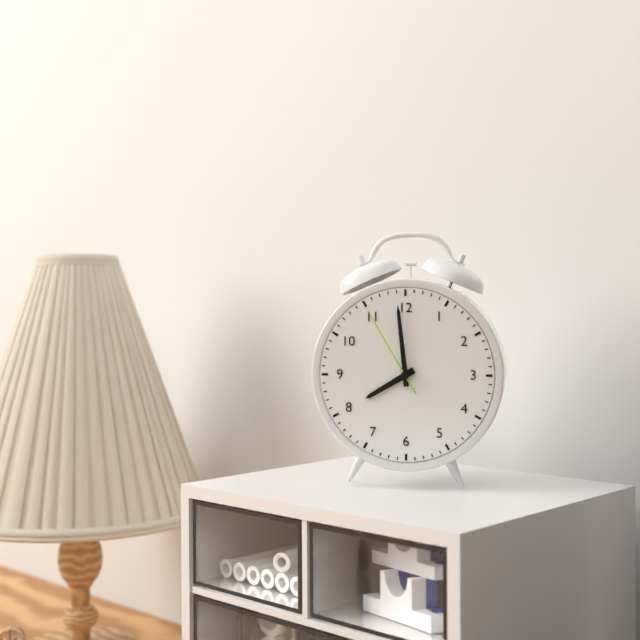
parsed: **7:59:55**
